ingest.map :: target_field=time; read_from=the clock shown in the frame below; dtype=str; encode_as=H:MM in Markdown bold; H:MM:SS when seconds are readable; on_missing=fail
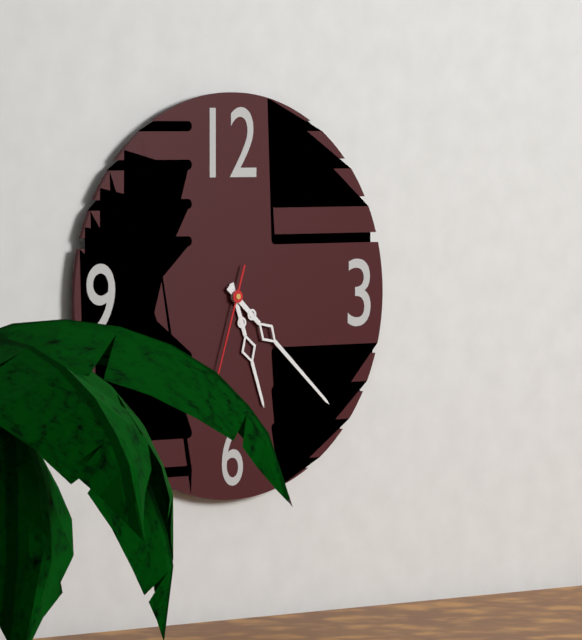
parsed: **5:22**
